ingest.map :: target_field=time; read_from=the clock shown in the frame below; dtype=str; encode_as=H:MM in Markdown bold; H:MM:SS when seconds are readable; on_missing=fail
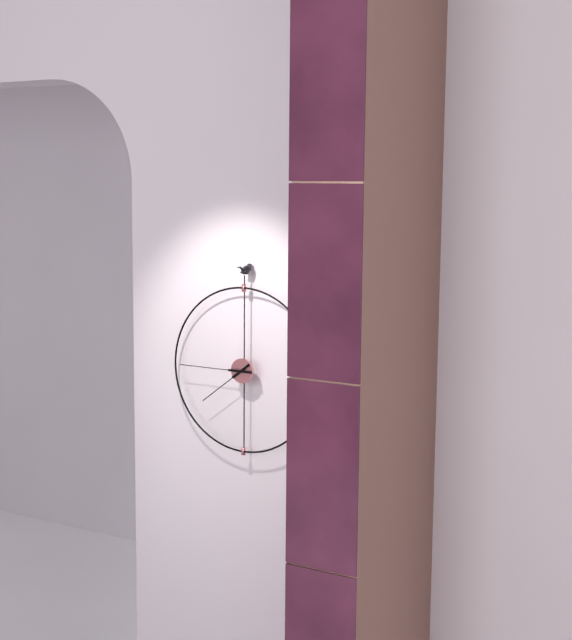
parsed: **7:45**
